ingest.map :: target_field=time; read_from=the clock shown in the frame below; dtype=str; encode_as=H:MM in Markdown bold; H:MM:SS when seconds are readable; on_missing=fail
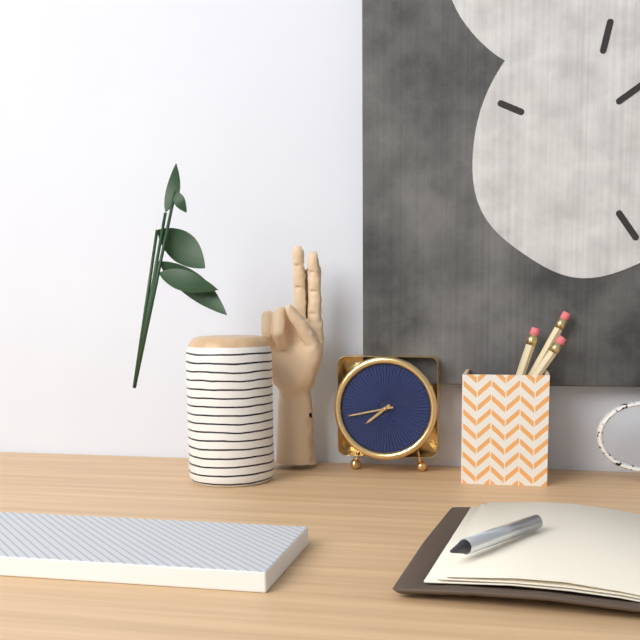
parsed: **7:43**
